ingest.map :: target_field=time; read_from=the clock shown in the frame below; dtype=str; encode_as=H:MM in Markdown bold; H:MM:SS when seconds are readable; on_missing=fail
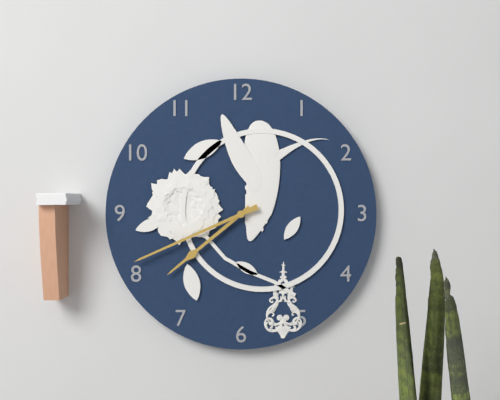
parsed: **7:41**
